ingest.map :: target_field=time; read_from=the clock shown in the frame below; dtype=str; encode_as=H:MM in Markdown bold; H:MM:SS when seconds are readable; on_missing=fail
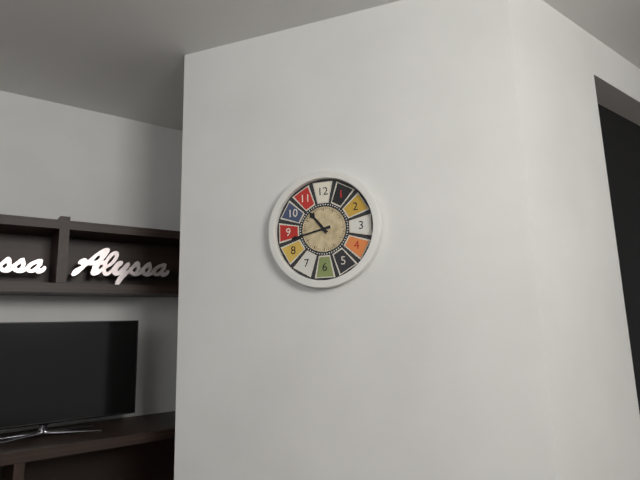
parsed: **10:43**
